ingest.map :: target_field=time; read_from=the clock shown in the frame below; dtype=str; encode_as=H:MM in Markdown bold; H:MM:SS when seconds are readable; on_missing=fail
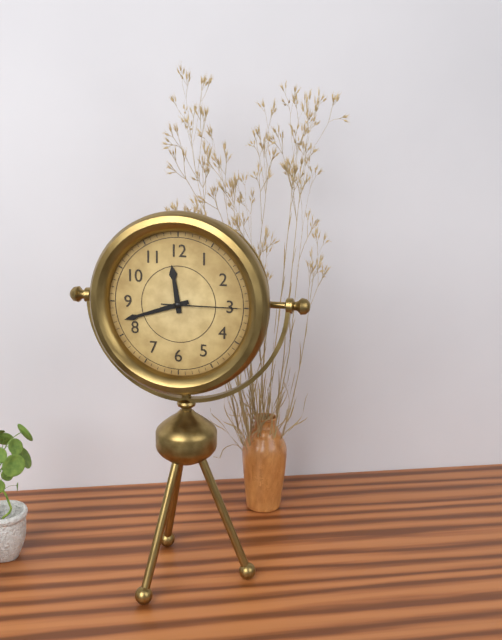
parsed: **11:42:15**
